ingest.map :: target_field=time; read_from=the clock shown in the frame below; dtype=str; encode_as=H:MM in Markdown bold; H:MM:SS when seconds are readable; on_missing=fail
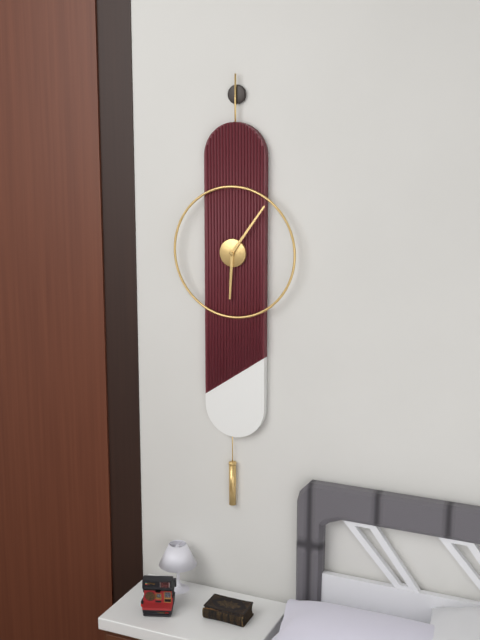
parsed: **6:06**
